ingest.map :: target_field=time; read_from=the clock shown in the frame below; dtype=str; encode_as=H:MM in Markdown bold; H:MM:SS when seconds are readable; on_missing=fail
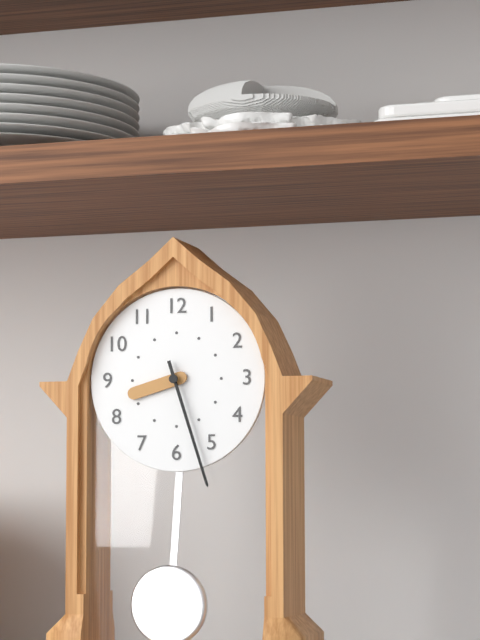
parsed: **8:27**
